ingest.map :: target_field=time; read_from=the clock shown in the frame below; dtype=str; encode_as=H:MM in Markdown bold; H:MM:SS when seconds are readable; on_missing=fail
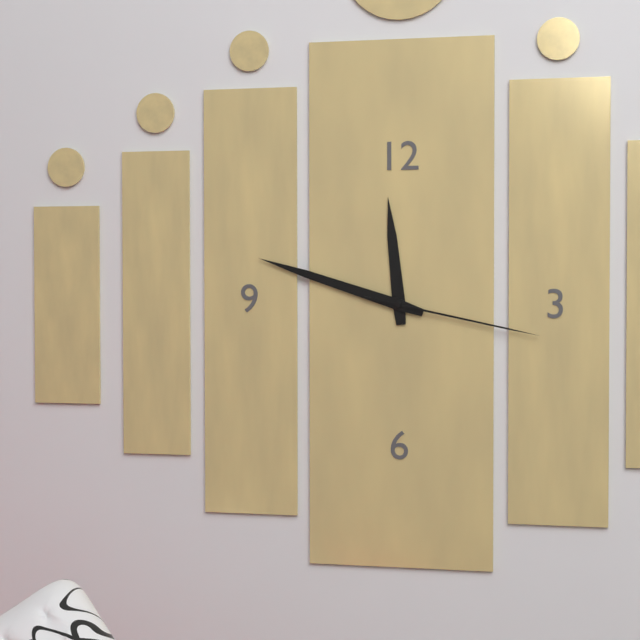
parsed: **11:48:17**
